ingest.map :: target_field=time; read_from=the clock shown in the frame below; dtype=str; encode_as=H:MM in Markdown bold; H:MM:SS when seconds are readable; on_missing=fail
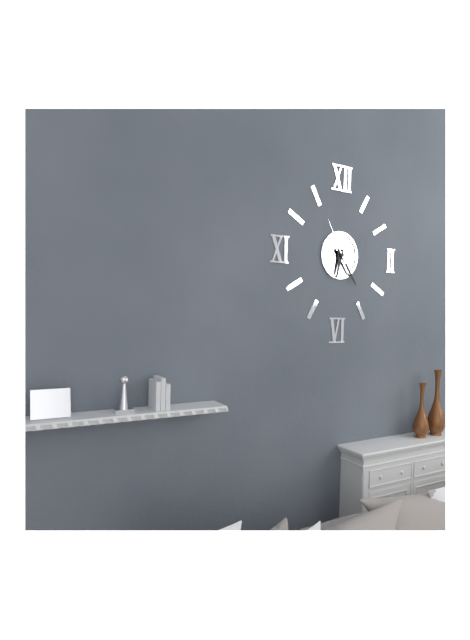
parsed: **6:24**
